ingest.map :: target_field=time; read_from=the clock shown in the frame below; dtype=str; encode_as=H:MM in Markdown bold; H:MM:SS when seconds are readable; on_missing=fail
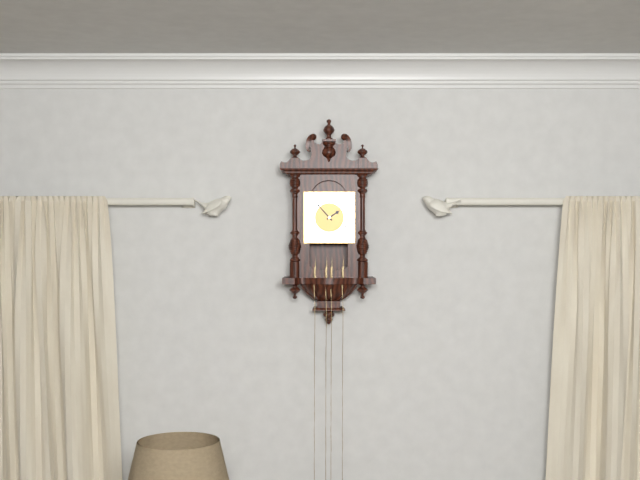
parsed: **1:53**
